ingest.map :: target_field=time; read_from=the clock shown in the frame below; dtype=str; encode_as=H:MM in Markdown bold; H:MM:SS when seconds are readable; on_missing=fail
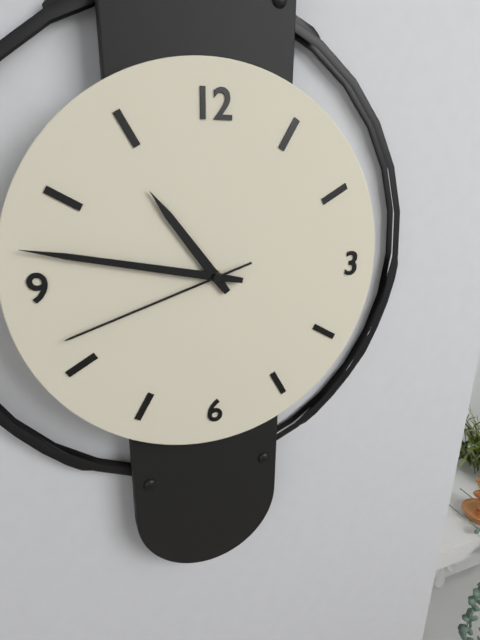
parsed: **10:47:42**
